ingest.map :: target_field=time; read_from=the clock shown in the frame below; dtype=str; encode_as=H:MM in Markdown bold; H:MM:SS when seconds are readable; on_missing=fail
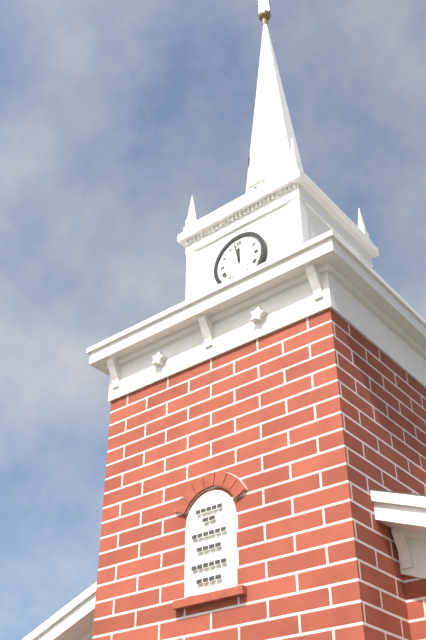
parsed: **11:58**
